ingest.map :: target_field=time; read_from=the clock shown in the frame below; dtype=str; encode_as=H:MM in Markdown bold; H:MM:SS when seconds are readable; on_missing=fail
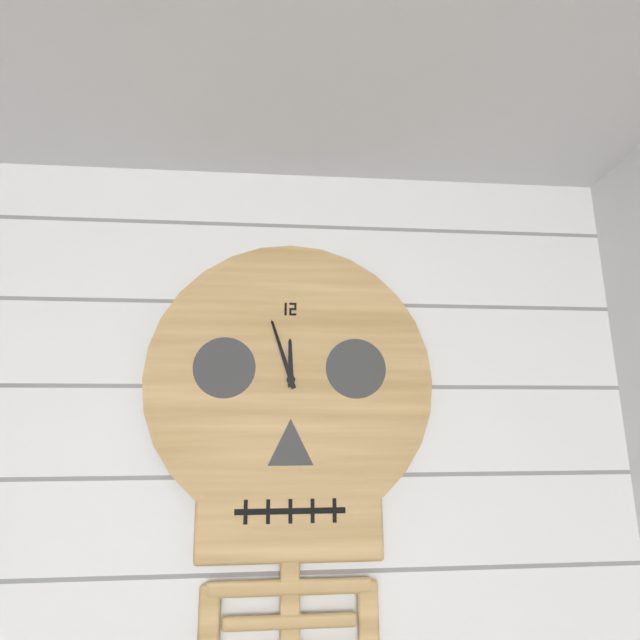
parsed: **11:57**
